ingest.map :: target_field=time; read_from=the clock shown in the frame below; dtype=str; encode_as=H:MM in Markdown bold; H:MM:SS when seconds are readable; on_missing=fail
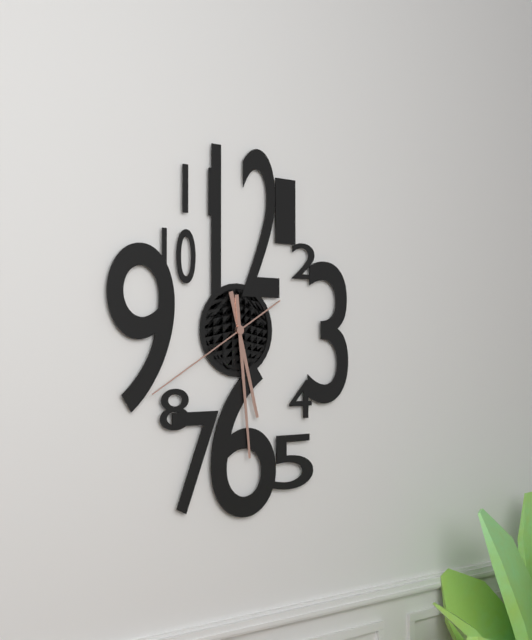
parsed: **5:29:40**
